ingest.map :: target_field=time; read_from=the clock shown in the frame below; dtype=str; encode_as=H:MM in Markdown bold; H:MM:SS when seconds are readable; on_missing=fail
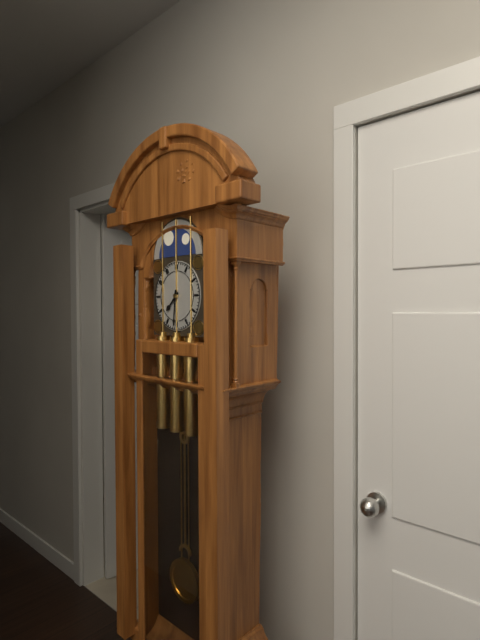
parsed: **7:31**
